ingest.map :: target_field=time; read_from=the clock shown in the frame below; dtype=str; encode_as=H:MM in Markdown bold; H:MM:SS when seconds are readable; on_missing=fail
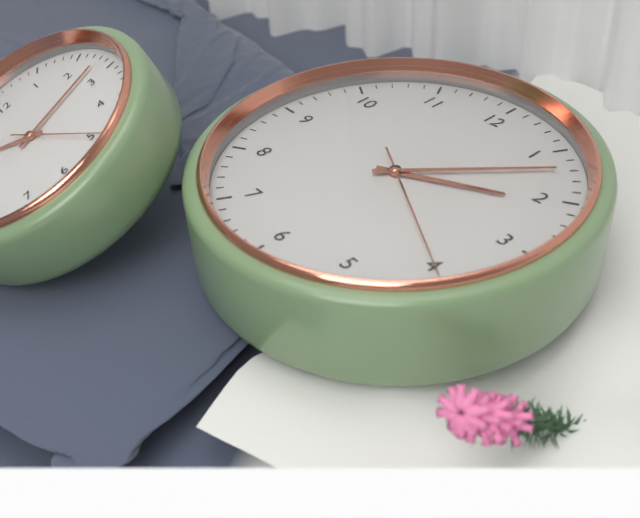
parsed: **2:07:20**
